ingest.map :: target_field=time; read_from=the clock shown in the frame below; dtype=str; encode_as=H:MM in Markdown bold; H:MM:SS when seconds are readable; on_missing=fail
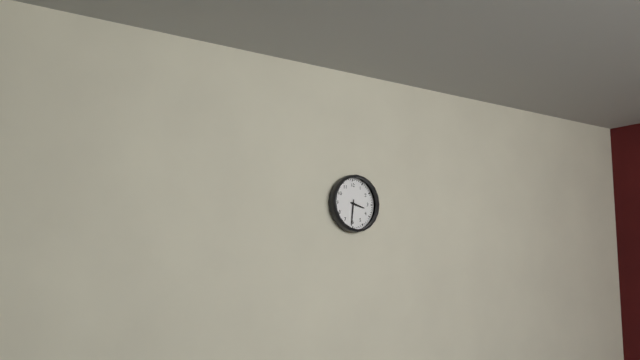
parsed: **3:31**
